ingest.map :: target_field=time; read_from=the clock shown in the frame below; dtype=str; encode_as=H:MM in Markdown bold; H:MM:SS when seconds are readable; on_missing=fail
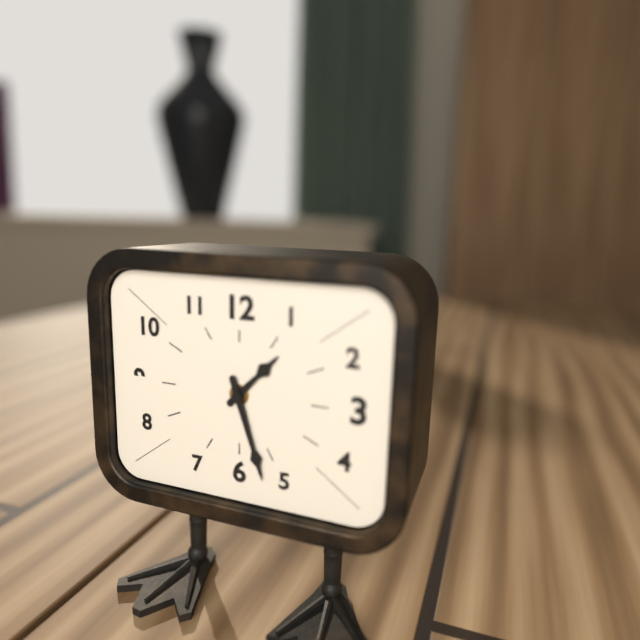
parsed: **1:27**
